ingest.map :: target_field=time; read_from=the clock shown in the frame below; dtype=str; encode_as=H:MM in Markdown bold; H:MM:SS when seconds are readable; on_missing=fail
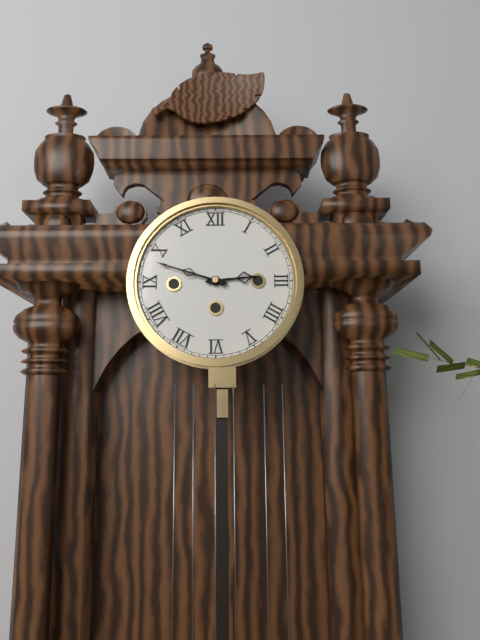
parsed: **2:48**
